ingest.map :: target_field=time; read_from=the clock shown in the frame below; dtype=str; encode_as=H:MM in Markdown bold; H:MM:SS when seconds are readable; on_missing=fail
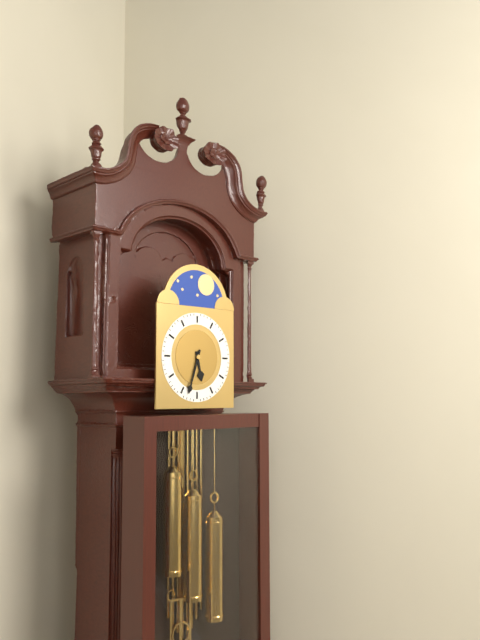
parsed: **5:33**
